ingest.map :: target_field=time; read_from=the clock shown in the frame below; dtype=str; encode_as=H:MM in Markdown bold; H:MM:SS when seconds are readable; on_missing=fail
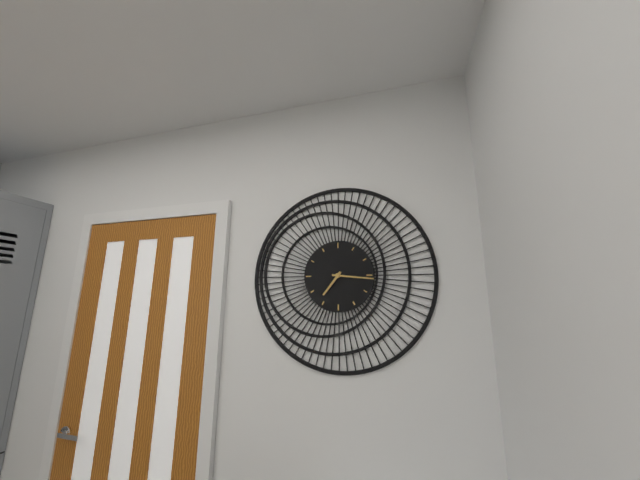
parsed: **7:16**
